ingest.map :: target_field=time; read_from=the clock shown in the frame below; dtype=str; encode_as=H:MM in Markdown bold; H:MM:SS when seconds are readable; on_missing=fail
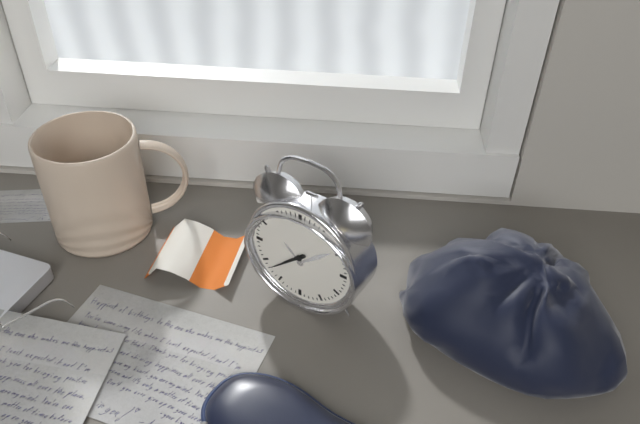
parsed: **7:38**
